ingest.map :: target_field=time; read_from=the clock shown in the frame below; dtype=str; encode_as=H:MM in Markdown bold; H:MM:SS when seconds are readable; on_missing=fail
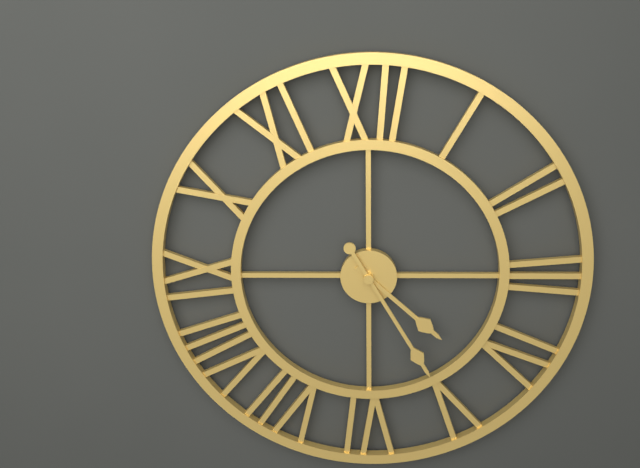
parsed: **4:25**
